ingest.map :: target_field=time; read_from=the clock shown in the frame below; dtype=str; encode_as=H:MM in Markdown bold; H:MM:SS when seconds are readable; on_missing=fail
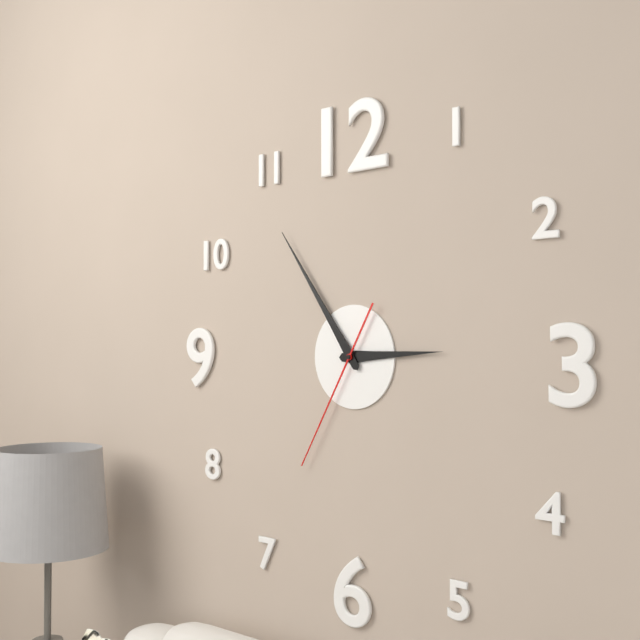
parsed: **2:54:35**
